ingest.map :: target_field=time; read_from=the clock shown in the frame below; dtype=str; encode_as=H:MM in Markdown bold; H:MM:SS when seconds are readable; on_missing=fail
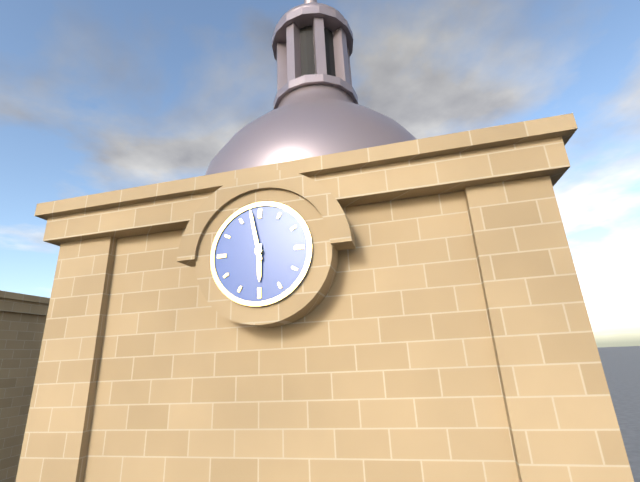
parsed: **5:58**
